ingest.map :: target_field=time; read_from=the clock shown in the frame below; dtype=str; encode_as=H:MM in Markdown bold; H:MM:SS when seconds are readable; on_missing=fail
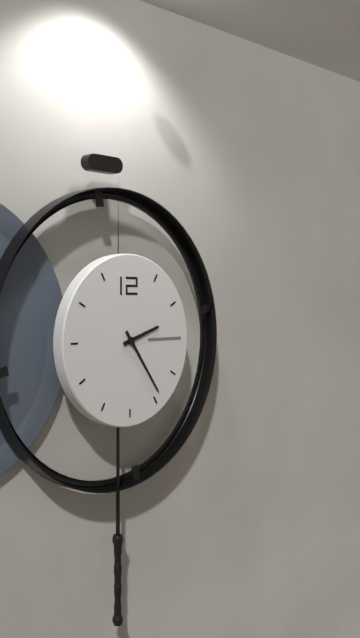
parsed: **2:24**
